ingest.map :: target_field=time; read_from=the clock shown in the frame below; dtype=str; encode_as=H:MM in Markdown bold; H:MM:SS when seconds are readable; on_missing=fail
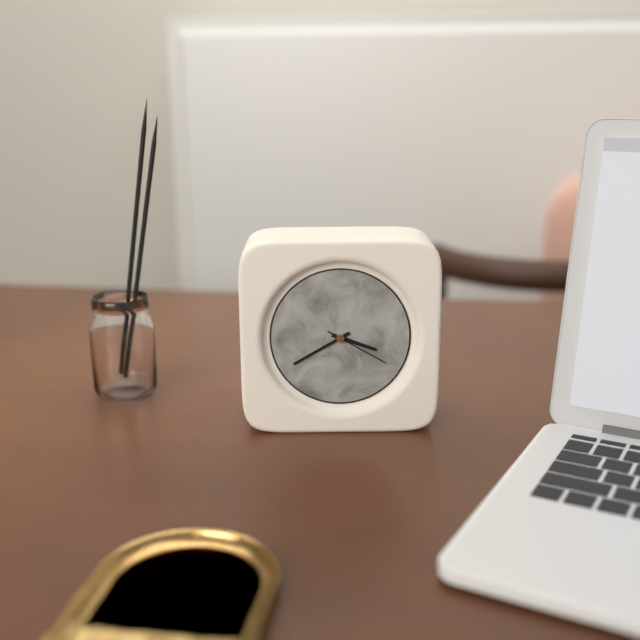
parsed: **3:40:20**
